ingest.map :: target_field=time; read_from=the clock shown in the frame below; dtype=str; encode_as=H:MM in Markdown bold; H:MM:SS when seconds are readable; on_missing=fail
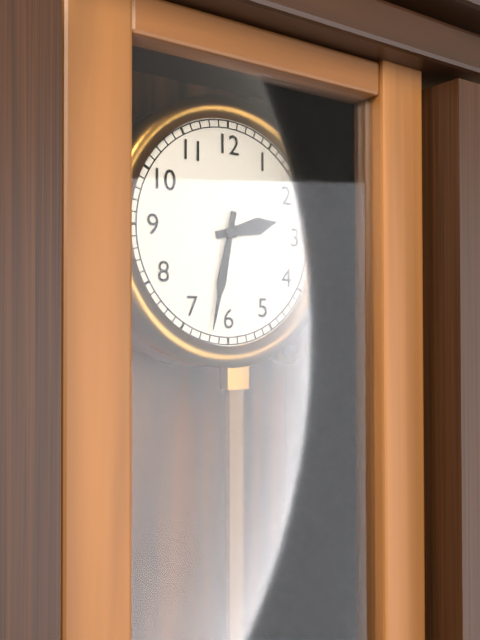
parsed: **2:32**
